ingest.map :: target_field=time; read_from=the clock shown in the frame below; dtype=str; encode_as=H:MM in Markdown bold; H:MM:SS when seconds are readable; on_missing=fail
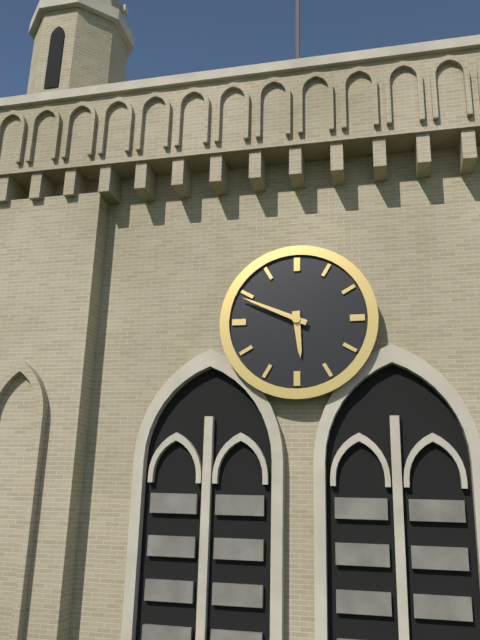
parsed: **5:49**
